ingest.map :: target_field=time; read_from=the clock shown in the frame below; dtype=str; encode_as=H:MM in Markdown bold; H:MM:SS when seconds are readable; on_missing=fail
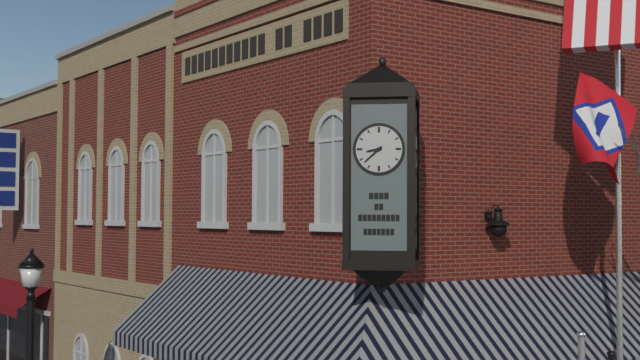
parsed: **8:38**
